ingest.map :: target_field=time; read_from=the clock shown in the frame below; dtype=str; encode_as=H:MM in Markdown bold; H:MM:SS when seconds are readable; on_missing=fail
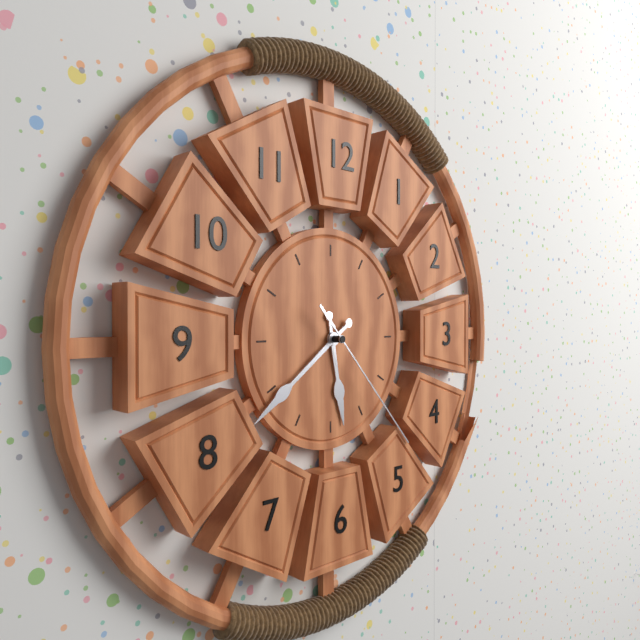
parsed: **5:39:23**
